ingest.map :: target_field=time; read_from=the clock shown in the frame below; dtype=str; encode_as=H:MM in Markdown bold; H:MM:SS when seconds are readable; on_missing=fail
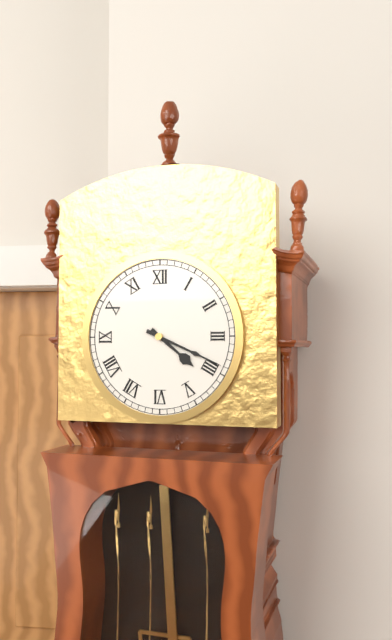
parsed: **4:19**
